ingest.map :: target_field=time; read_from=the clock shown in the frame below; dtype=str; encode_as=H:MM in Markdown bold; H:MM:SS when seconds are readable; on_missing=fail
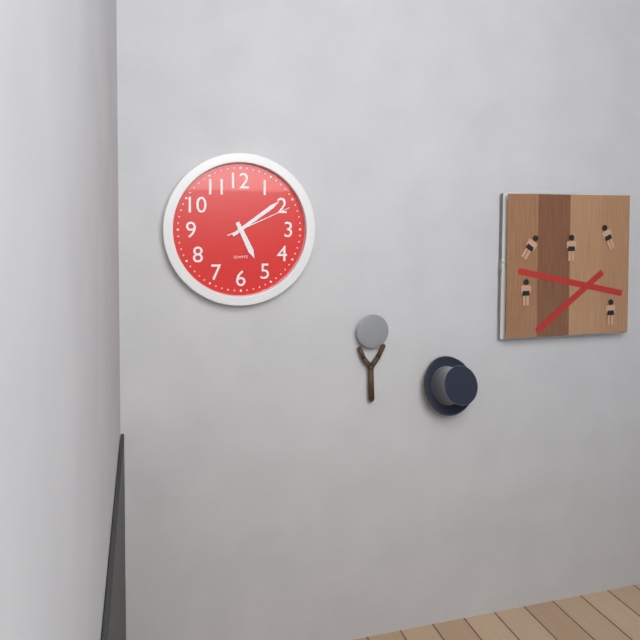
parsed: **5:09:11**
